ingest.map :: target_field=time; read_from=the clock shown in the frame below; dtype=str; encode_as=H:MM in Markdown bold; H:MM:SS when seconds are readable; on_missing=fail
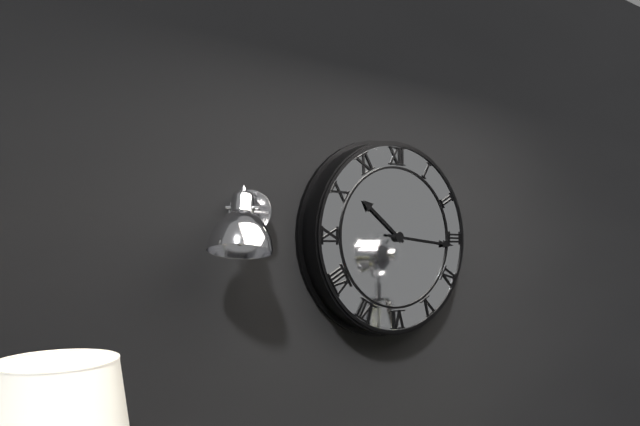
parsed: **10:16**
